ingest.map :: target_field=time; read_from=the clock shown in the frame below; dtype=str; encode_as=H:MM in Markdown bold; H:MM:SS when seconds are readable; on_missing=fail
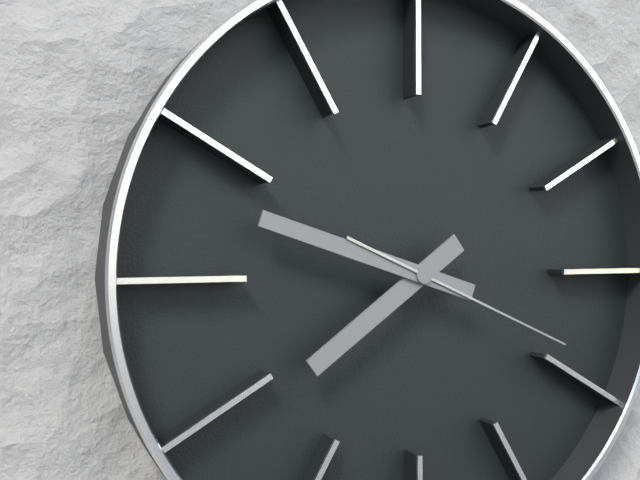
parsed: **7:48:19**
